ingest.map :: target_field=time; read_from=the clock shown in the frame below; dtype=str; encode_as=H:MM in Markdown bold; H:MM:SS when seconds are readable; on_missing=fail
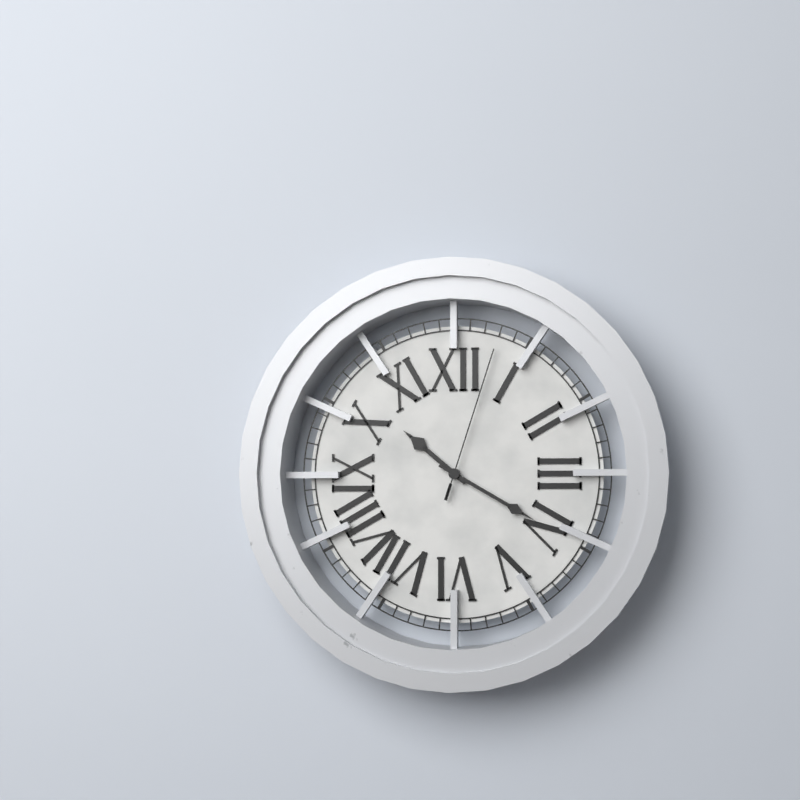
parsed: **10:20:03**
